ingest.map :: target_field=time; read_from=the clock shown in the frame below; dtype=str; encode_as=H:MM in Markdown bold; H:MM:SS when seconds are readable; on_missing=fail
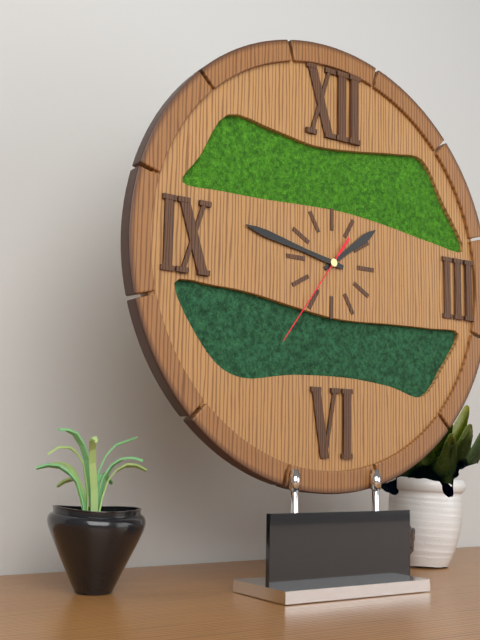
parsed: **1:47:36**
